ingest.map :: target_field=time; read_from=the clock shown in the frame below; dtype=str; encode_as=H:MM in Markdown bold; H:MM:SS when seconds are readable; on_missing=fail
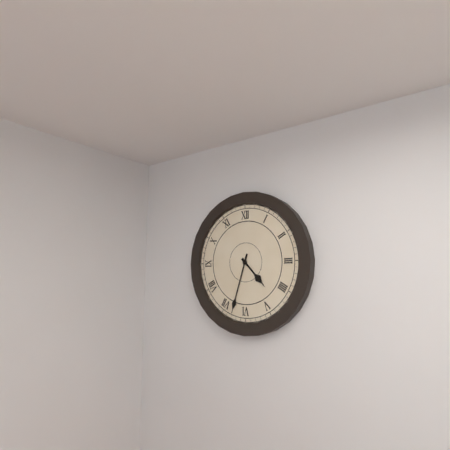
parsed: **4:33**
